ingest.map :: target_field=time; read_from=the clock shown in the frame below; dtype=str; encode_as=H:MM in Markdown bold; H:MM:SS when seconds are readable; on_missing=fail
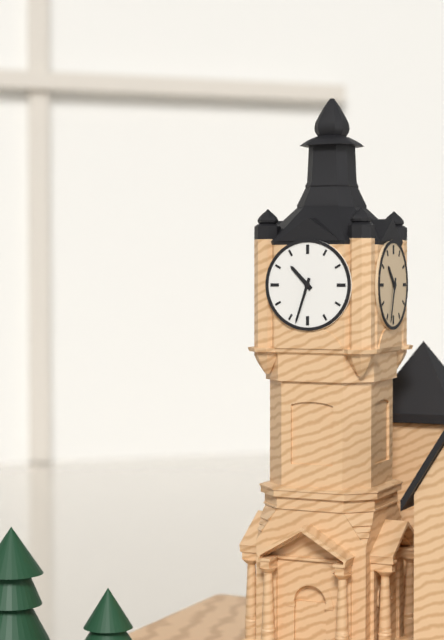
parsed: **10:33**
